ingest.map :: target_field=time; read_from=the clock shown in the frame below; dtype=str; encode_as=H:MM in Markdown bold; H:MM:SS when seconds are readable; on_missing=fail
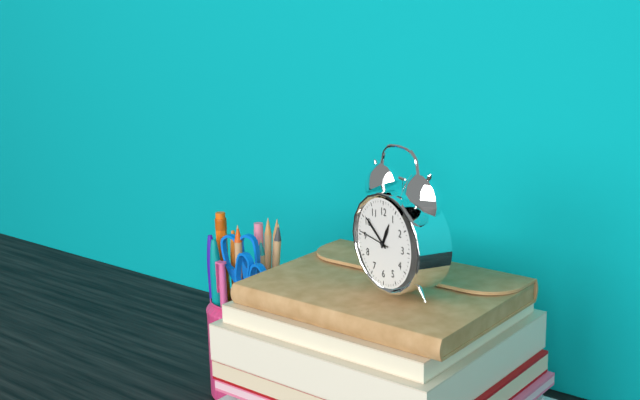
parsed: **12:51**
